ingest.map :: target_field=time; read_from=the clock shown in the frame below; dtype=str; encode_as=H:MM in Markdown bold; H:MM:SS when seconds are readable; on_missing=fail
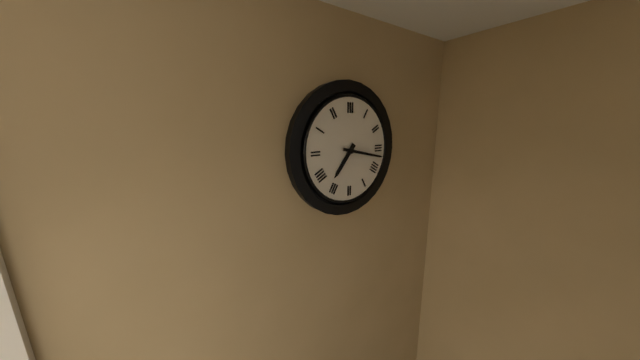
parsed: **7:17**
